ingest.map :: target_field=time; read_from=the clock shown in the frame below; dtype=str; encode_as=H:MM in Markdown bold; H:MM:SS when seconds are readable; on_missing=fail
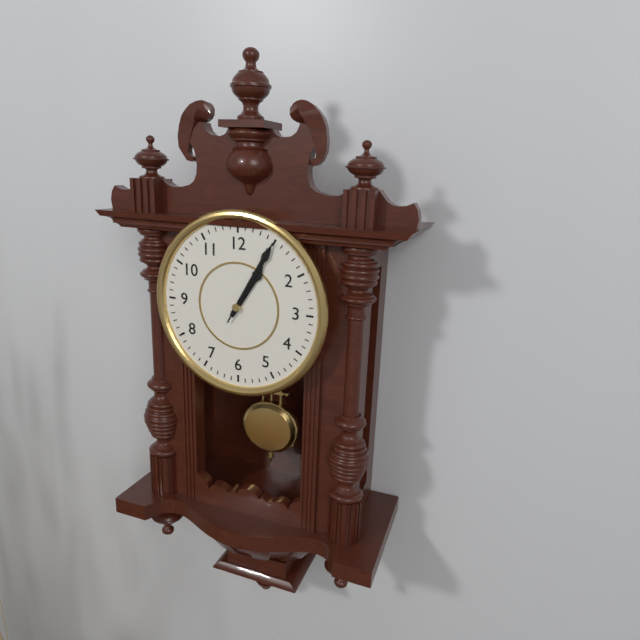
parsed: **1:05:05**
